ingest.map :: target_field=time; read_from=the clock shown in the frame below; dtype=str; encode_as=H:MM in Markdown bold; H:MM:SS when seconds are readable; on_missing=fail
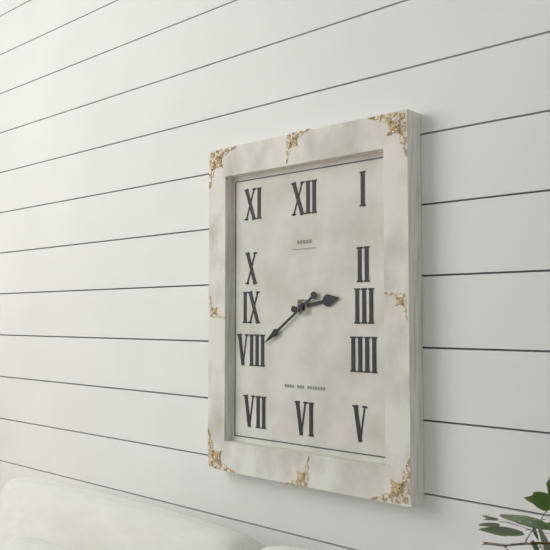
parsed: **2:39**
